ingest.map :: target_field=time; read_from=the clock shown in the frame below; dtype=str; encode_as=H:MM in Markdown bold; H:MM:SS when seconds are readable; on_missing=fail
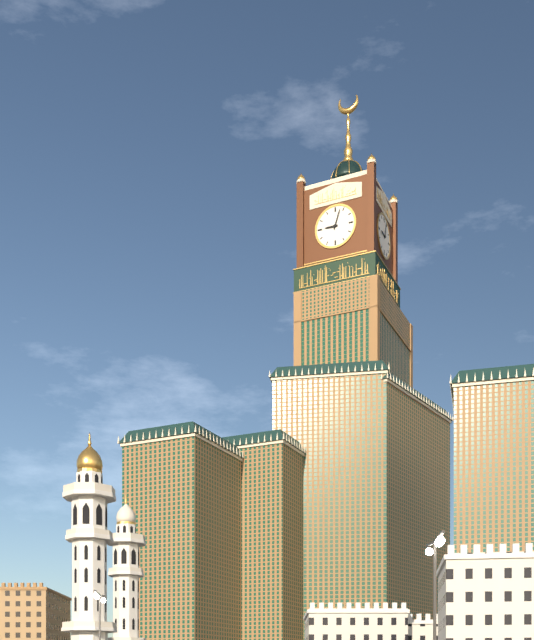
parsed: **9:03**
